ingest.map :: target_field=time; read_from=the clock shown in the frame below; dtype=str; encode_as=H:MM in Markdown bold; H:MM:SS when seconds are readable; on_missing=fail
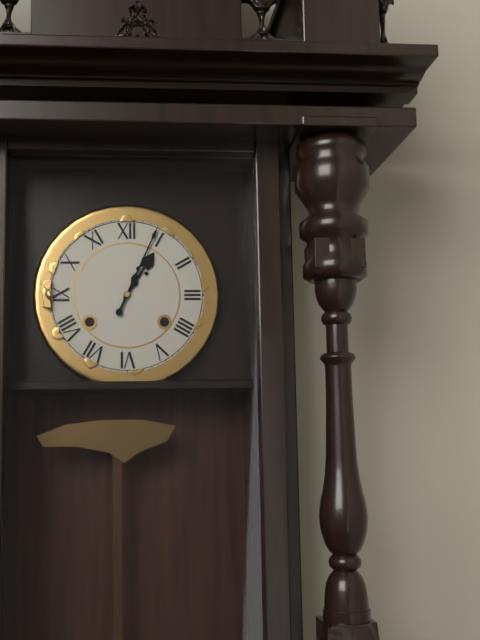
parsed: **1:04**
